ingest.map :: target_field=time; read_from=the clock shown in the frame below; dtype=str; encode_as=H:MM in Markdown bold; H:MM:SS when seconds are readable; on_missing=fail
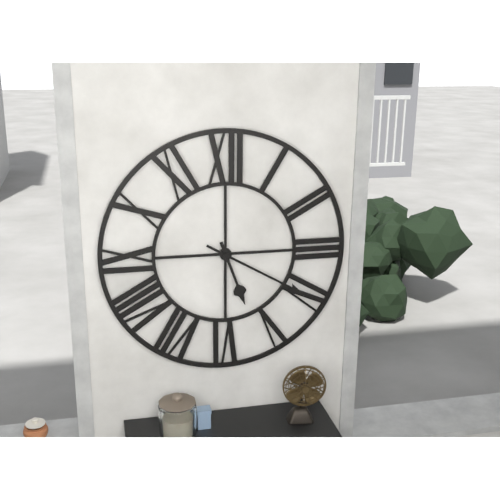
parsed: **5:20**
